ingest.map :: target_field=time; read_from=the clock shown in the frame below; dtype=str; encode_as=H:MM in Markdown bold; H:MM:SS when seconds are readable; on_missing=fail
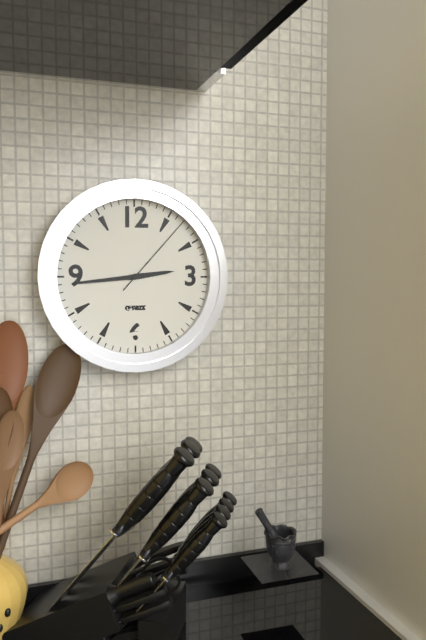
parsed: **2:44:07**
